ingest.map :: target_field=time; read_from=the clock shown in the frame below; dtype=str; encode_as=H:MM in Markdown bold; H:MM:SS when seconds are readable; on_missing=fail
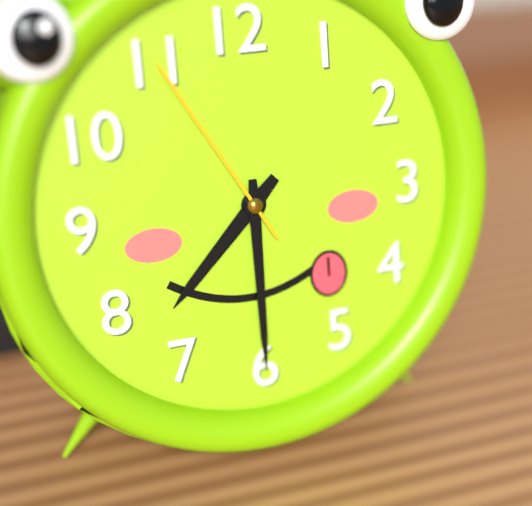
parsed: **7:30:55**
